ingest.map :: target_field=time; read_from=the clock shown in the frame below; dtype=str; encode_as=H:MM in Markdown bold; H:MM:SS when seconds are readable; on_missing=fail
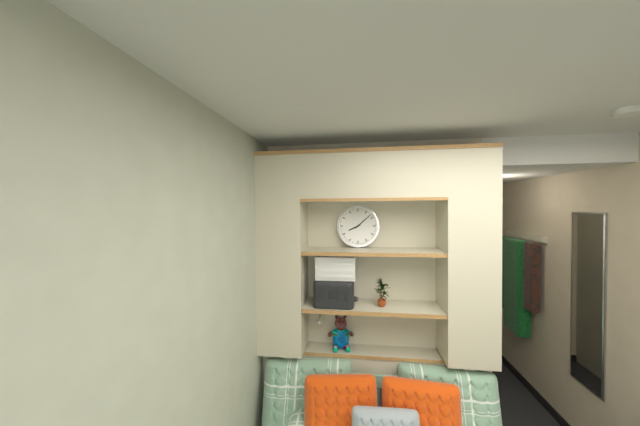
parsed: **8:08**
